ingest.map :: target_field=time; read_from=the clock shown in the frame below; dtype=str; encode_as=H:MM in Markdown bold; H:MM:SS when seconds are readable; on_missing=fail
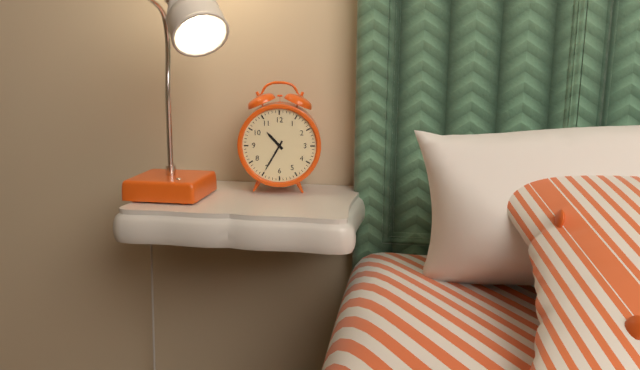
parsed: **10:35**
